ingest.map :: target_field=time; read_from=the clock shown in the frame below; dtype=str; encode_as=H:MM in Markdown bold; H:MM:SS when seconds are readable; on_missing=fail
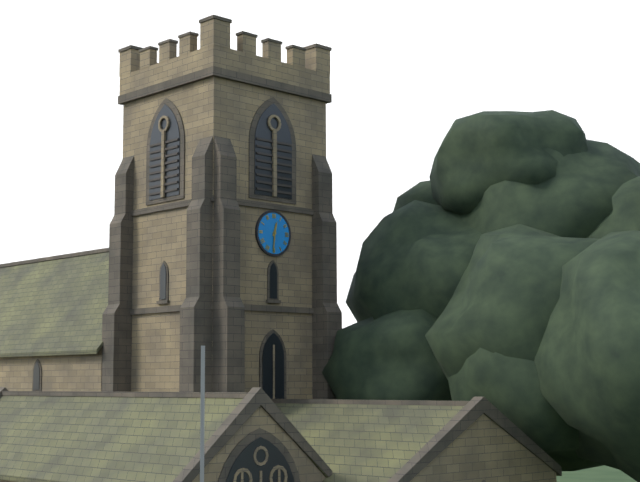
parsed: **12:31**
